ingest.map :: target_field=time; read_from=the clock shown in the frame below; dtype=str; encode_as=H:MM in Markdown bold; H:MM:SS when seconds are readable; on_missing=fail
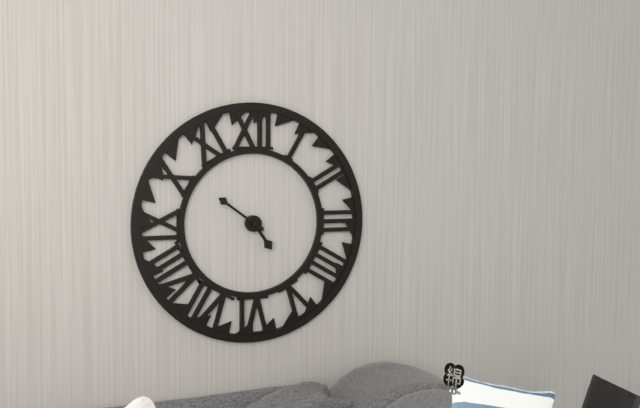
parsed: **4:51**
